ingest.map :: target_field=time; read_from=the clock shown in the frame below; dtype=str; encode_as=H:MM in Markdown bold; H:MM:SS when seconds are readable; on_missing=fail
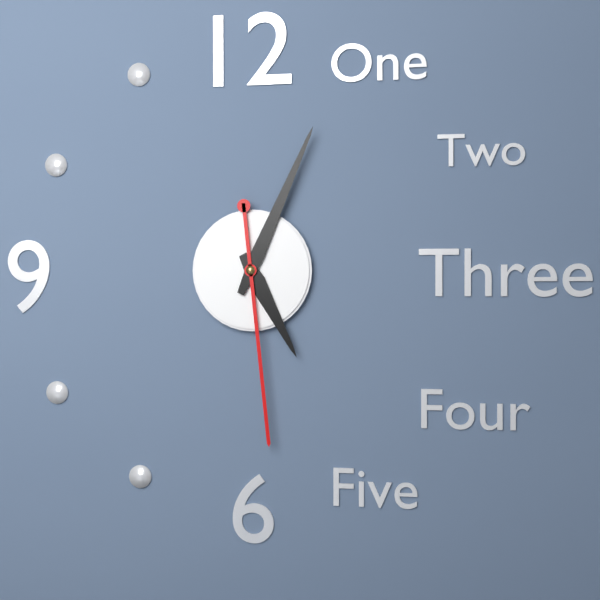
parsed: **5:04:29**
